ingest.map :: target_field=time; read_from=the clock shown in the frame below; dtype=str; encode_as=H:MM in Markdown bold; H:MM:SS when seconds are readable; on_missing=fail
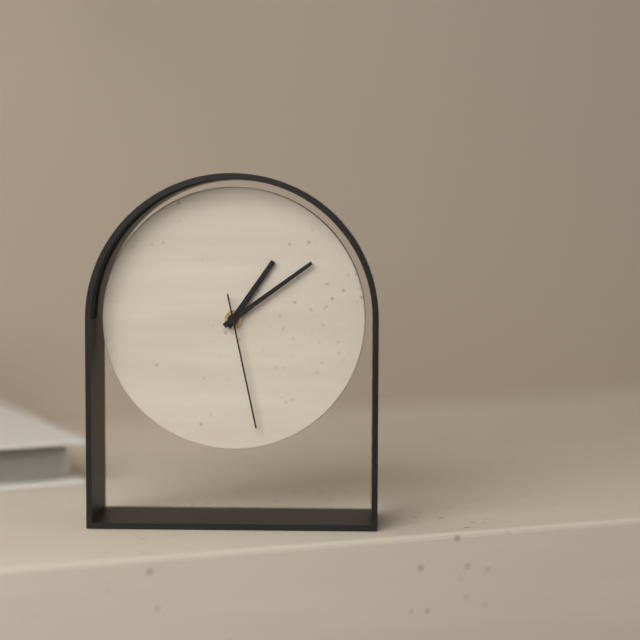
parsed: **1:09:28**
